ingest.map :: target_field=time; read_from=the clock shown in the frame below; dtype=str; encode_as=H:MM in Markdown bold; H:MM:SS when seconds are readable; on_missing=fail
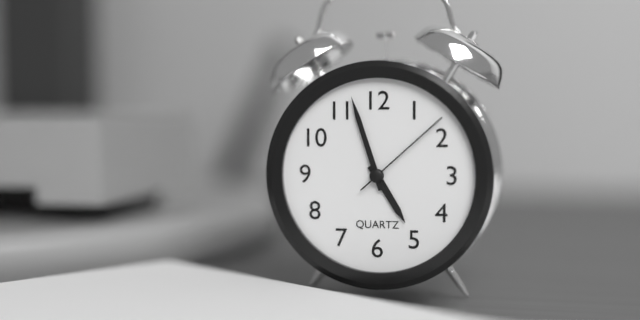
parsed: **4:57:08**
